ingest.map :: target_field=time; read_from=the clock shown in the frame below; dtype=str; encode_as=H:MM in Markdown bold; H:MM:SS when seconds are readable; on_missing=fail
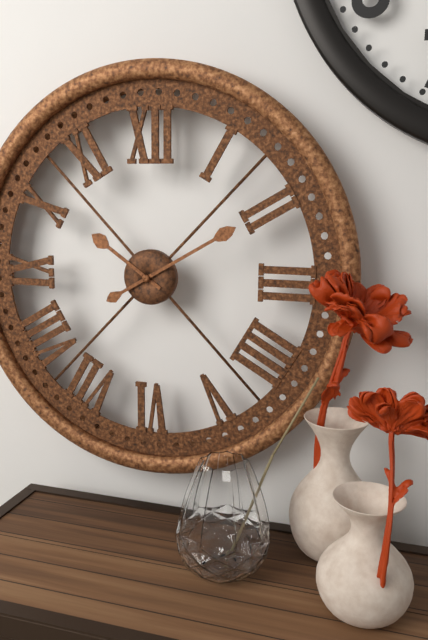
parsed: **10:10**
